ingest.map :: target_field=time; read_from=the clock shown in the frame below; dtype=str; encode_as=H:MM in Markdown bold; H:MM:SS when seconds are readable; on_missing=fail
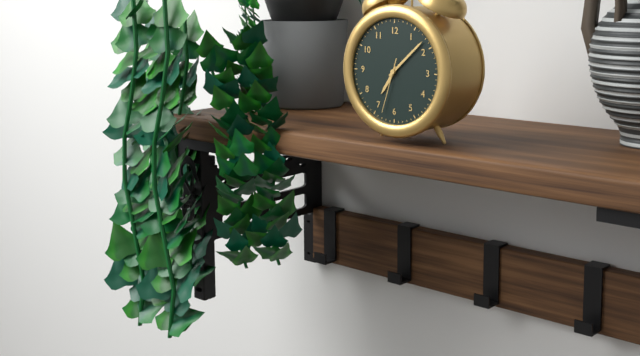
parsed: **7:08:33**
